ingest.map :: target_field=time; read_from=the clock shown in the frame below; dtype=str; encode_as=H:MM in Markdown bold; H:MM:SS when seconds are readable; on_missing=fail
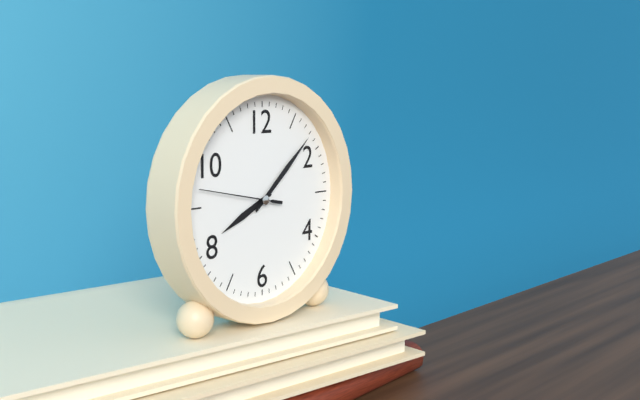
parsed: **8:08:47**
